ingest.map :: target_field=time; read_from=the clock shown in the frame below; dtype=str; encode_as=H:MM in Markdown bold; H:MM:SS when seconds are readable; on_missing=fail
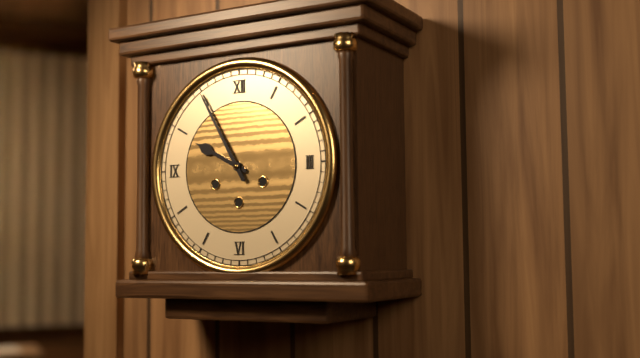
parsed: **9:55**
